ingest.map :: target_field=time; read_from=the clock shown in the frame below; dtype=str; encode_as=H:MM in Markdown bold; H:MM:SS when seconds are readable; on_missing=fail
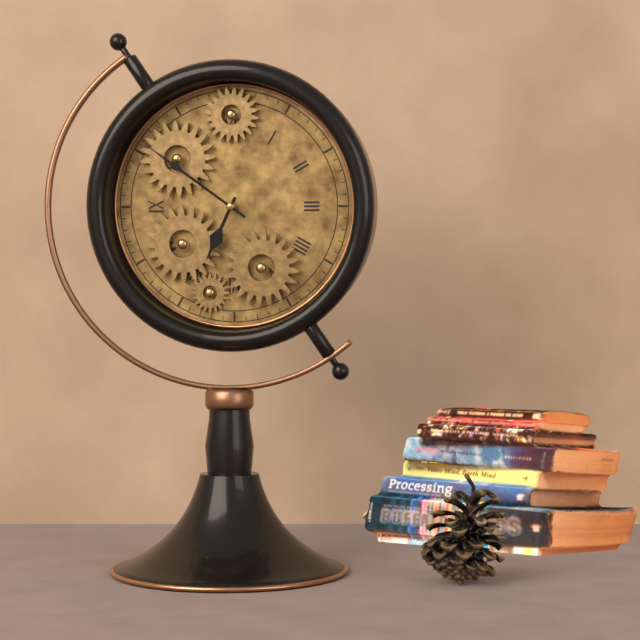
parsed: **6:51**
